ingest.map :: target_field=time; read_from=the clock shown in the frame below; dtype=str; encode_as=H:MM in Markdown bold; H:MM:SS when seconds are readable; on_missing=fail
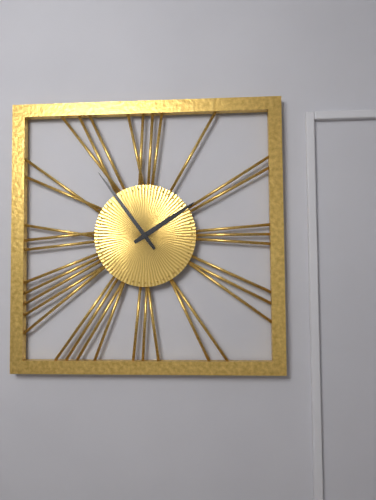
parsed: **1:54**
